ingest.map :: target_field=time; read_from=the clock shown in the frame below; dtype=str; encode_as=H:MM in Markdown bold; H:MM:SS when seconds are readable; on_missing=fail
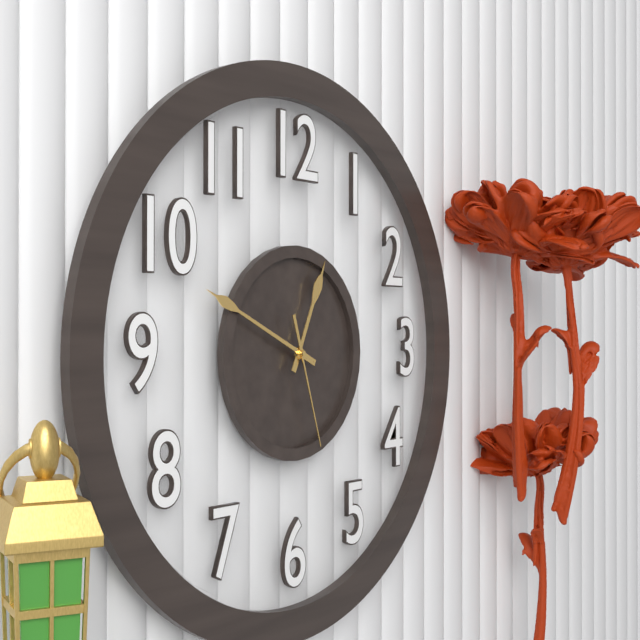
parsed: **12:49:27**
